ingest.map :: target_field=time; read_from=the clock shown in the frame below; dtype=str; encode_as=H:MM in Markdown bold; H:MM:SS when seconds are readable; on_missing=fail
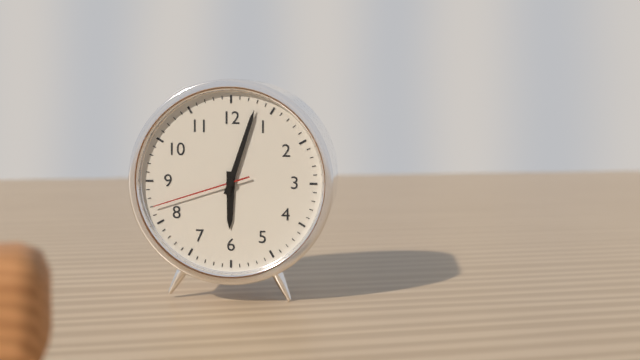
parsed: **6:03:42**
